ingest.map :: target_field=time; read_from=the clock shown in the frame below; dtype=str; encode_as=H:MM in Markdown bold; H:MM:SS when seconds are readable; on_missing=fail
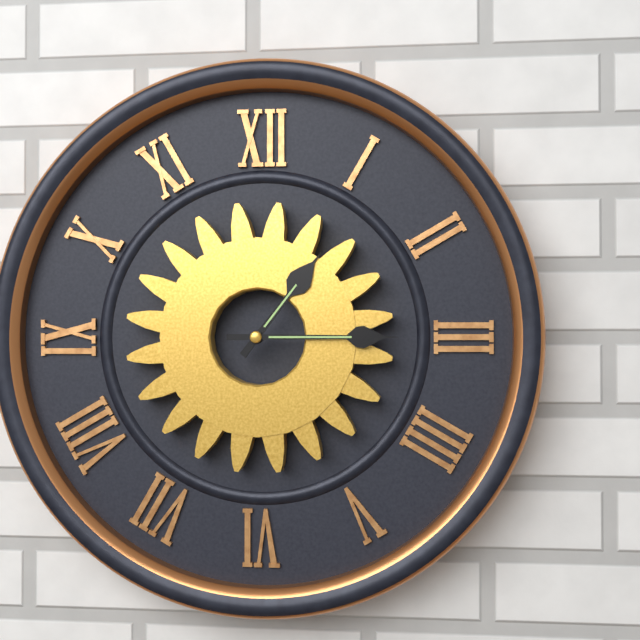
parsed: **1:15**
